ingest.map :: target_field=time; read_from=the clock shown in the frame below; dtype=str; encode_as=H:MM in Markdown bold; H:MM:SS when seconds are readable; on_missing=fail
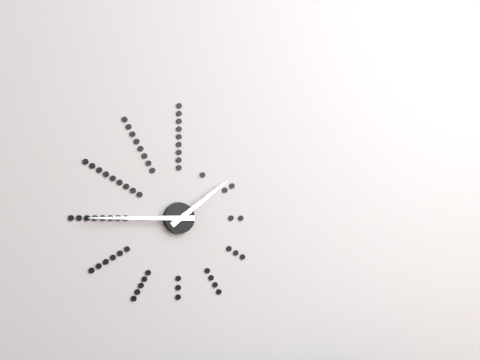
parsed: **1:45**
